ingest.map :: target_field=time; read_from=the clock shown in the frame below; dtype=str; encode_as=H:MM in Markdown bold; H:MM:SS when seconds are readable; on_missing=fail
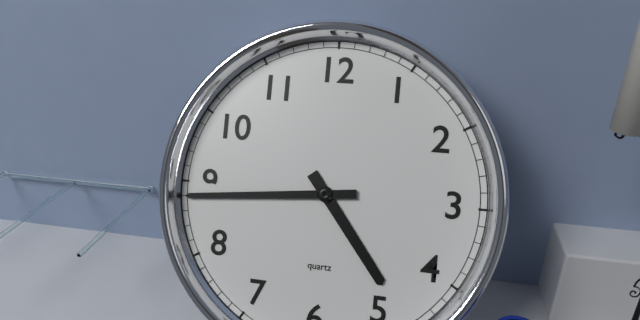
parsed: **4:44**
